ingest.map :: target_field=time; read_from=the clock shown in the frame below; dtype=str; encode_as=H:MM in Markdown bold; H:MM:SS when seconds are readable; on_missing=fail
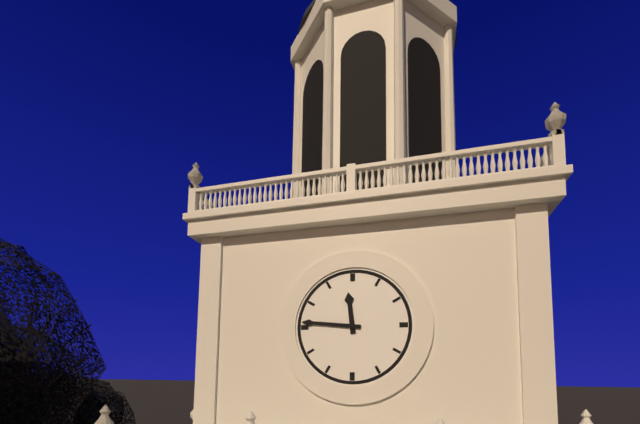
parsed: **11:46**
